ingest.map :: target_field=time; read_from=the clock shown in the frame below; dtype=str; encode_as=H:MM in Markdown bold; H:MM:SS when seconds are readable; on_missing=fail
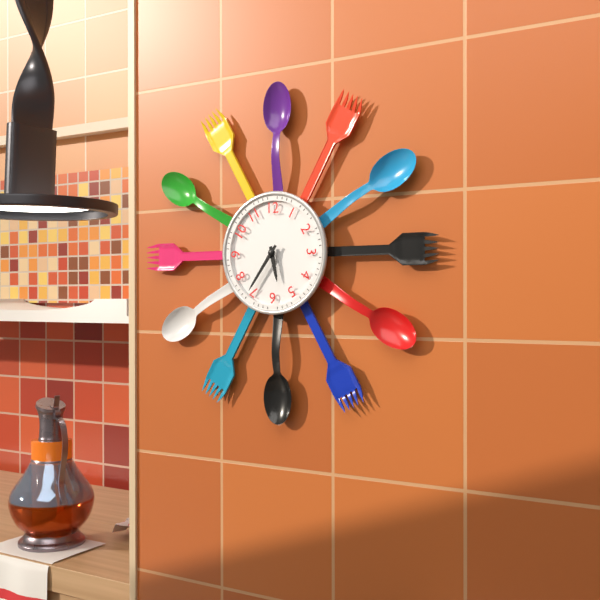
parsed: **5:36**
